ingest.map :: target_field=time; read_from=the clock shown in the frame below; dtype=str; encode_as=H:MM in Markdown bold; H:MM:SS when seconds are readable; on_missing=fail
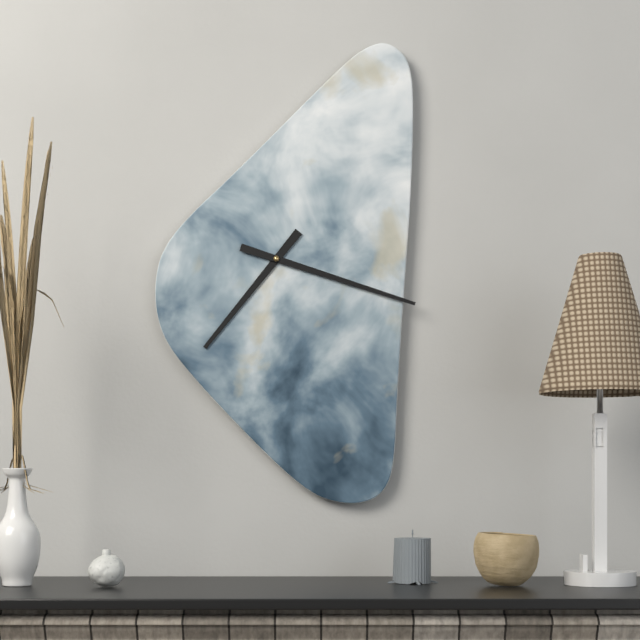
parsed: **7:18**
